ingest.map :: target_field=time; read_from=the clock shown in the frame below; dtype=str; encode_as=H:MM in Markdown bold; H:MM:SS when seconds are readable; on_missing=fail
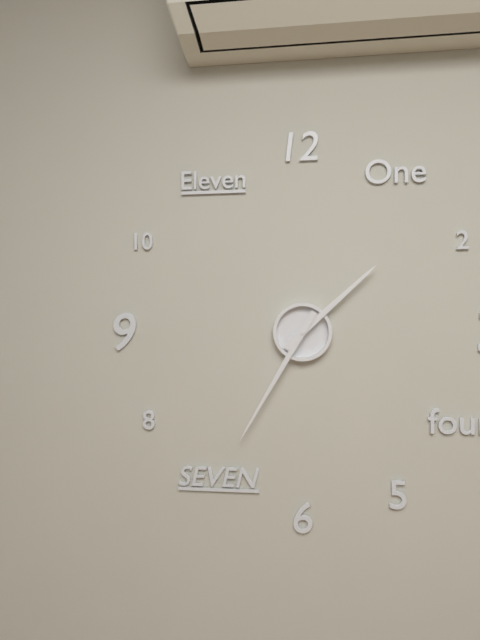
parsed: **1:35**
